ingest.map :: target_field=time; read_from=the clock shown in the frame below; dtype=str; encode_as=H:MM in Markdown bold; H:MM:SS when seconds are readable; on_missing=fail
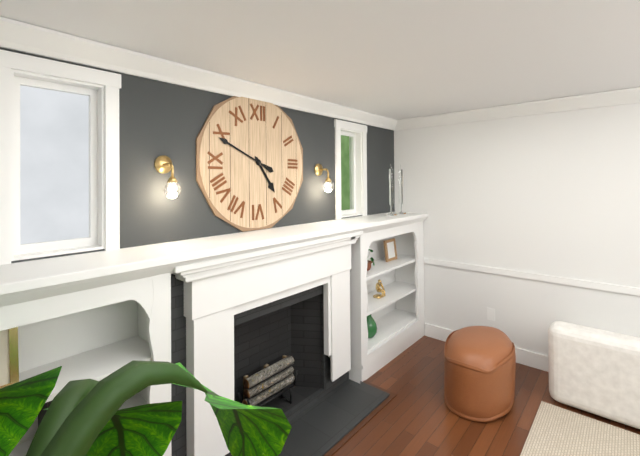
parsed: **4:49**
